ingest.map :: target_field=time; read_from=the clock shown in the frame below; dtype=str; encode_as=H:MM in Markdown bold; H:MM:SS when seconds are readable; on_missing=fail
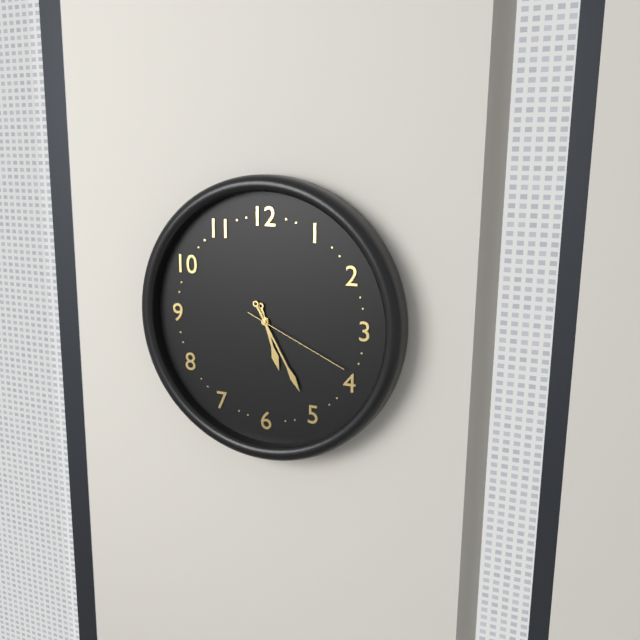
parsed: **5:25:19**
